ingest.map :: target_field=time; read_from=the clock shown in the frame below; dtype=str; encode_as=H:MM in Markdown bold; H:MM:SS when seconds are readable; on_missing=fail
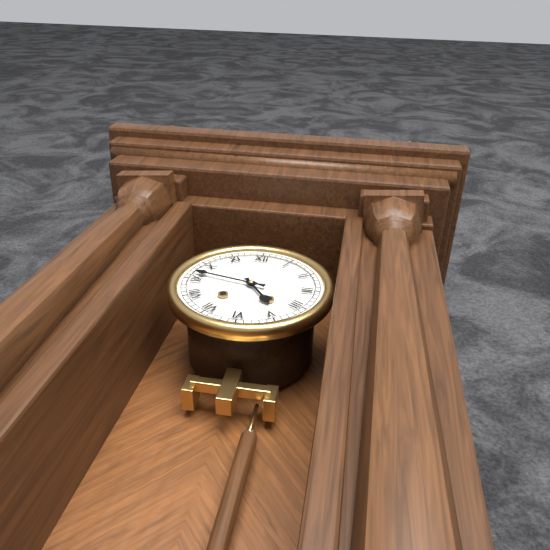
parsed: **4:47**
